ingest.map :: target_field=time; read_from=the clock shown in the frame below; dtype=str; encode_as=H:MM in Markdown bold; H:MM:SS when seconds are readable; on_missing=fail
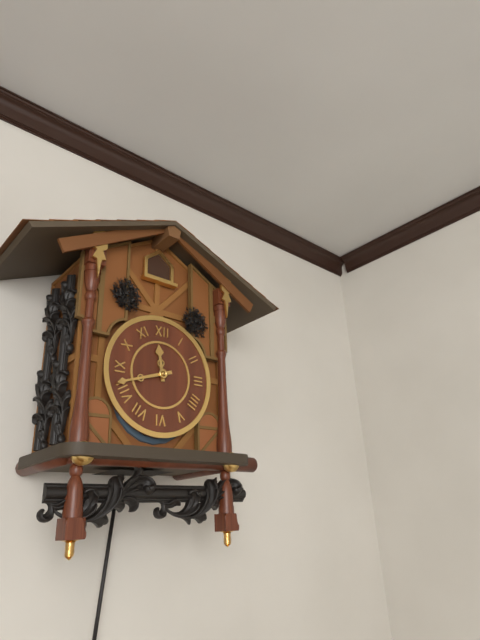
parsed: **11:42**
